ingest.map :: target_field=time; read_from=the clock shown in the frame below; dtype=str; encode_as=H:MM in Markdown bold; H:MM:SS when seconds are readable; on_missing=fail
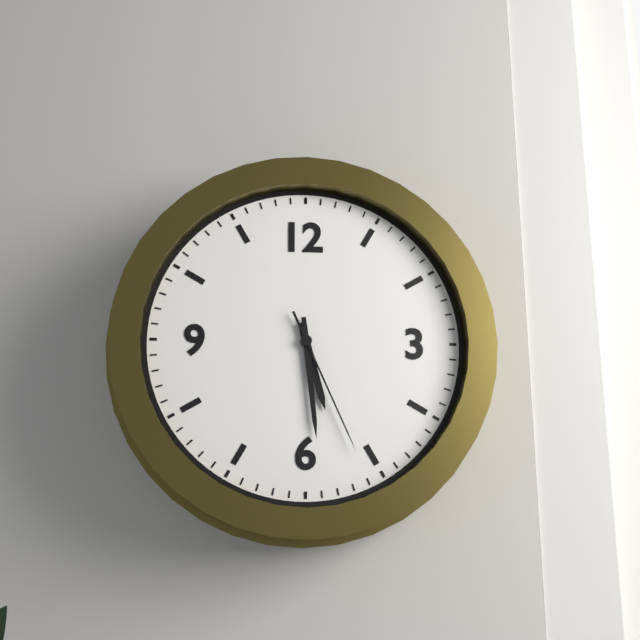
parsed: **5:29:26**
